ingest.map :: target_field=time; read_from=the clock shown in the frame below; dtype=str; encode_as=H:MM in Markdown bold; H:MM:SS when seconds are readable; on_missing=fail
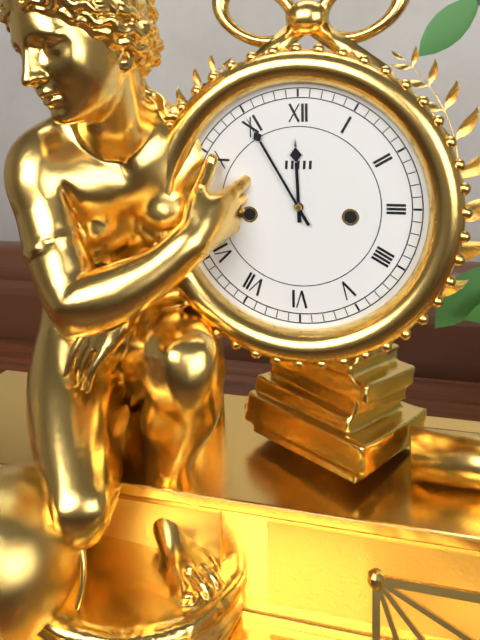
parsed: **11:55**
